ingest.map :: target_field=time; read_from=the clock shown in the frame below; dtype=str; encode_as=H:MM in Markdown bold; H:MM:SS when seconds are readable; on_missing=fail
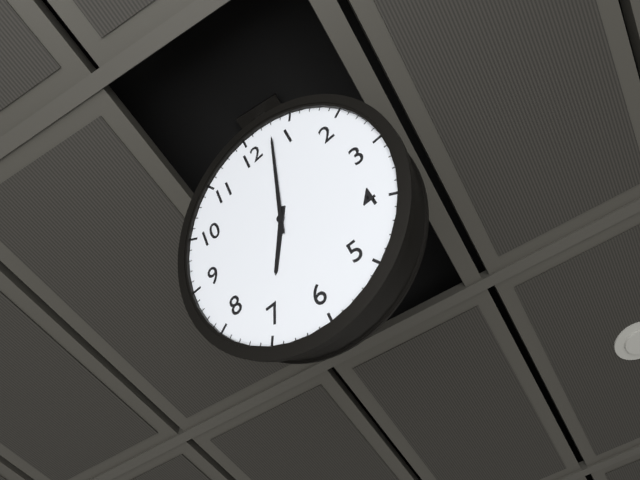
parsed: **7:03**
